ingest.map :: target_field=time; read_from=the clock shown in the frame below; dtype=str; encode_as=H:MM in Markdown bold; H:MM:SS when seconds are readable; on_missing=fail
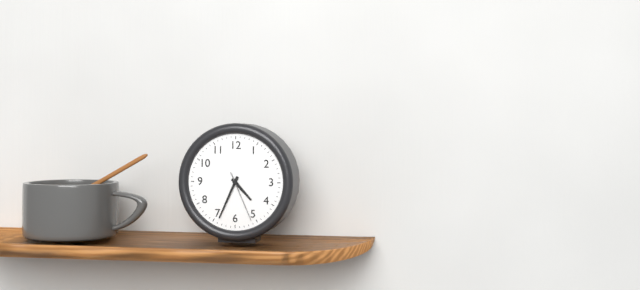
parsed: **4:34:26**
